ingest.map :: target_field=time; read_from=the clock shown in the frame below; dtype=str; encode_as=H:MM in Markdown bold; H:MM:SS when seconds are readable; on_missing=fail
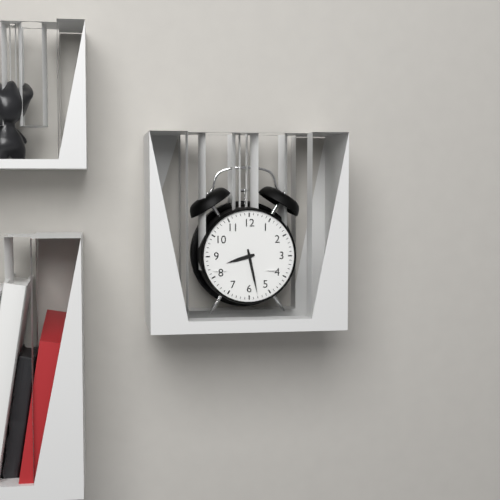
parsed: **8:28**
